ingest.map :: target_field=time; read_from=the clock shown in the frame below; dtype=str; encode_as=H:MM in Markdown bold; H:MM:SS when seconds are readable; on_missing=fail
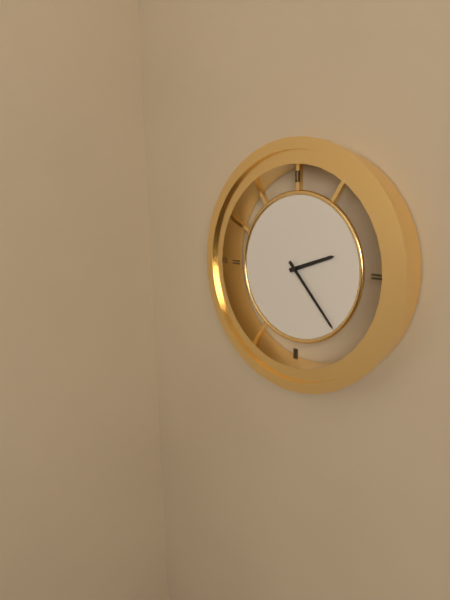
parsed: **2:23**
